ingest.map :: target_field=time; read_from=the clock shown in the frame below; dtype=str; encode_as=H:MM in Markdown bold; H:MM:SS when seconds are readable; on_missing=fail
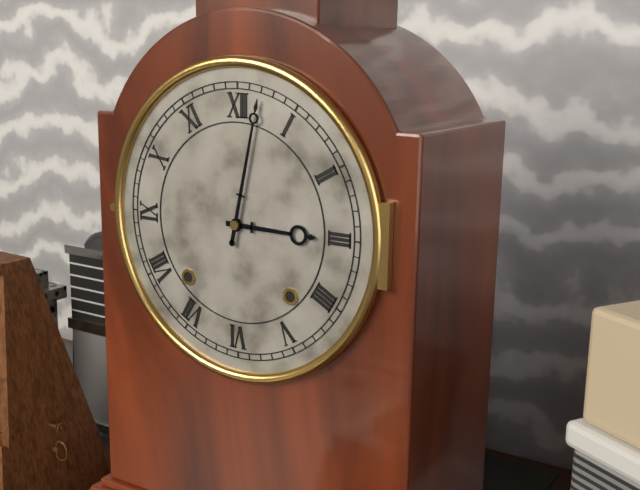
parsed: **3:02**
